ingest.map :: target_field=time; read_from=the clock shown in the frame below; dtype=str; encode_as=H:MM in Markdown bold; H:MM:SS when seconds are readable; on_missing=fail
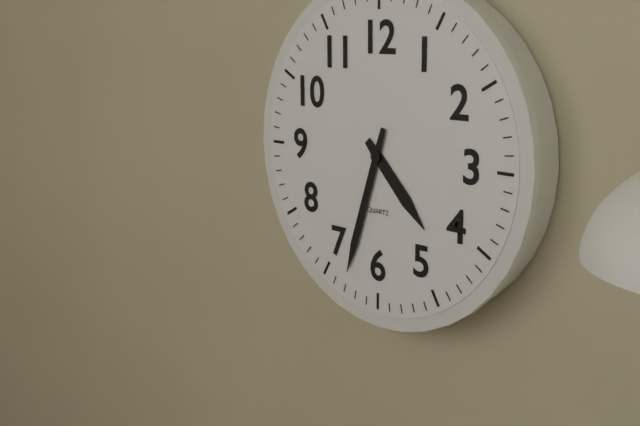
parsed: **4:33**
